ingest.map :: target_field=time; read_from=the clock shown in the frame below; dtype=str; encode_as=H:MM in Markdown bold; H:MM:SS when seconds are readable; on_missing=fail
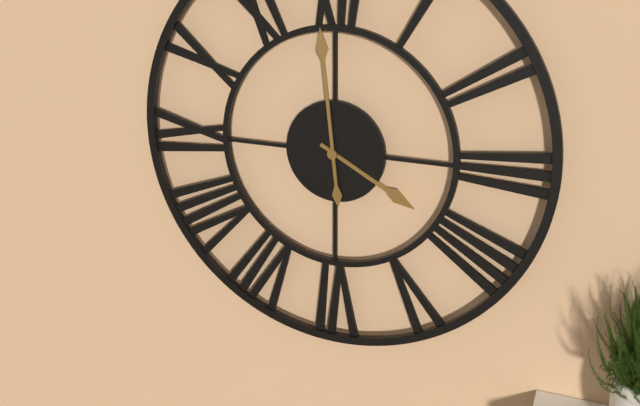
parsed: **3:59**
